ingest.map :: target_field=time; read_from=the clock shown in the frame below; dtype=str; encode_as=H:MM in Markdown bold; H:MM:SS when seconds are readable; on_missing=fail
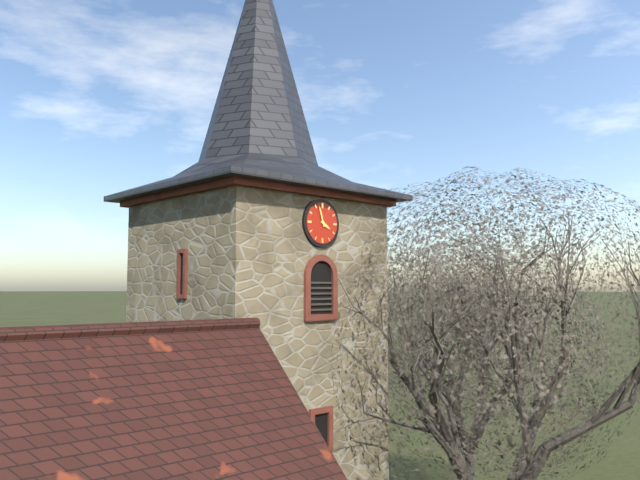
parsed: **3:57**
